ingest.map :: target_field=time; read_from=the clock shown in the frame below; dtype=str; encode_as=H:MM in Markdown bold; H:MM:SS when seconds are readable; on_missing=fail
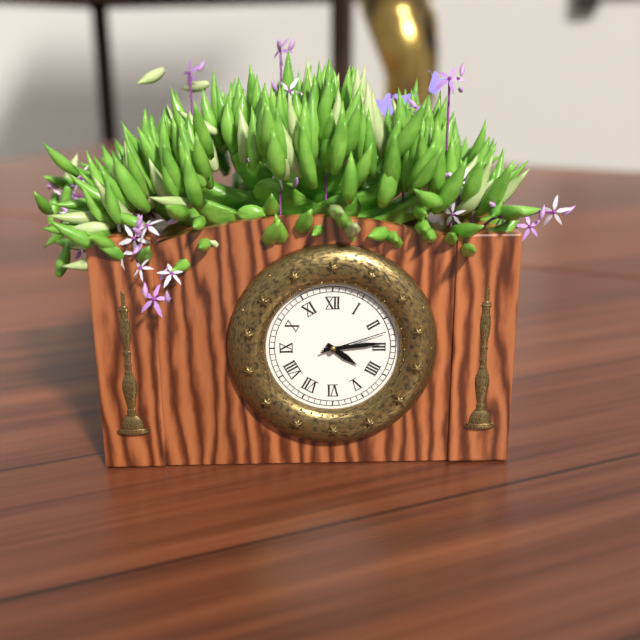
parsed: **4:14:12**
